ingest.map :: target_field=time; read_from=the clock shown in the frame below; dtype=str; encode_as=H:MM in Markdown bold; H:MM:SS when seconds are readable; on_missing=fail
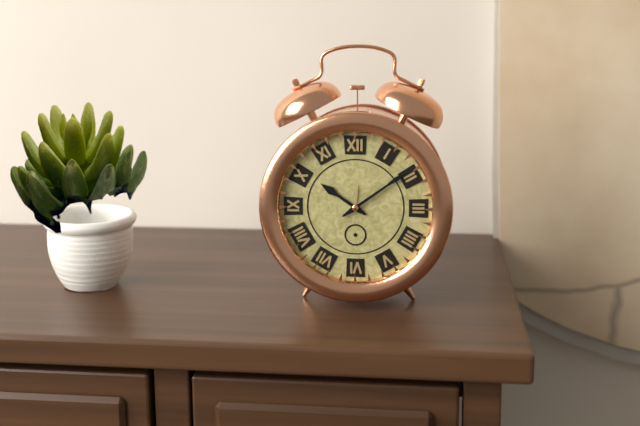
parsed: **10:09**
